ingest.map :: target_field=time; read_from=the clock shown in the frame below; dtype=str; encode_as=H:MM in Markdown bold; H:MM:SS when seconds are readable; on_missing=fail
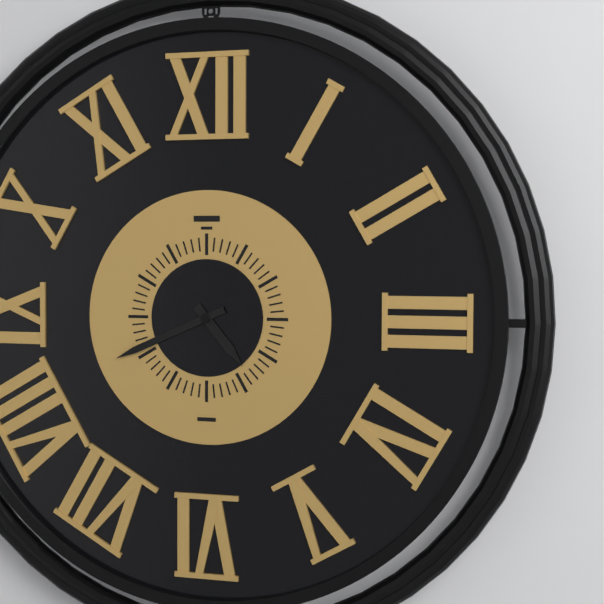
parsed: **4:41**
